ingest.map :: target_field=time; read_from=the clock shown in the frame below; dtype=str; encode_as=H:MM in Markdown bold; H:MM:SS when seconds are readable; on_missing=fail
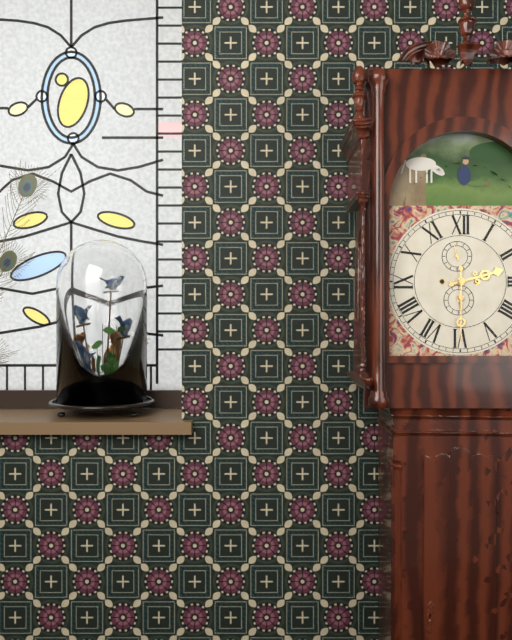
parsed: **2:30**
